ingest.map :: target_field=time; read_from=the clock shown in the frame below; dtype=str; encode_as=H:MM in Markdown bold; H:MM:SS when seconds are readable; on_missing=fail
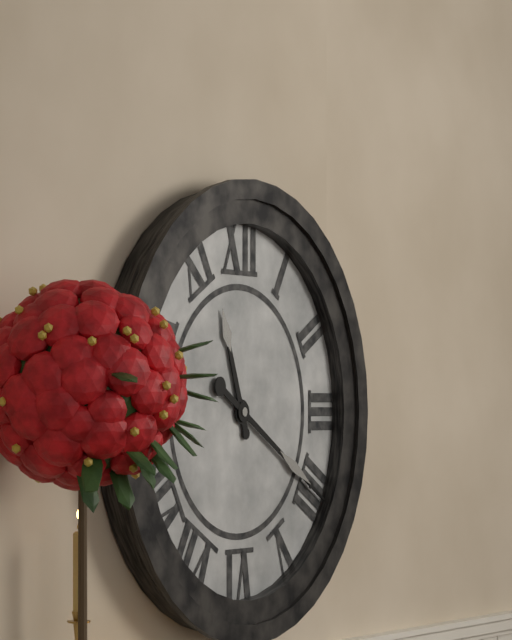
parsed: **11:20**
